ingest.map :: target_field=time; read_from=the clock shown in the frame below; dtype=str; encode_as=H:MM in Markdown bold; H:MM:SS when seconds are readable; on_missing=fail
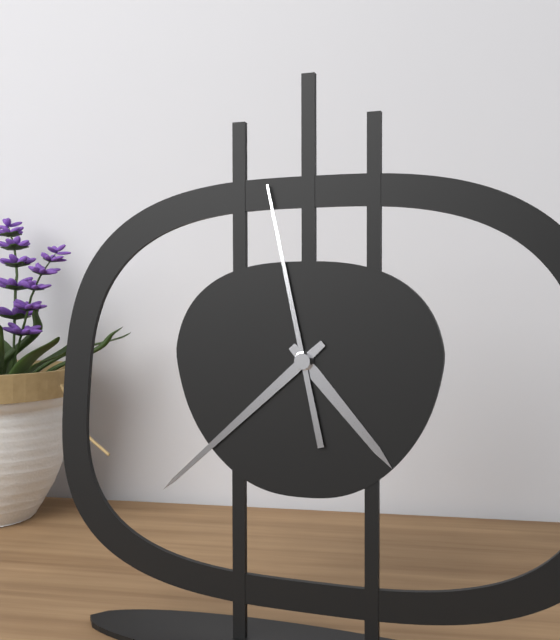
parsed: **4:38:58**
